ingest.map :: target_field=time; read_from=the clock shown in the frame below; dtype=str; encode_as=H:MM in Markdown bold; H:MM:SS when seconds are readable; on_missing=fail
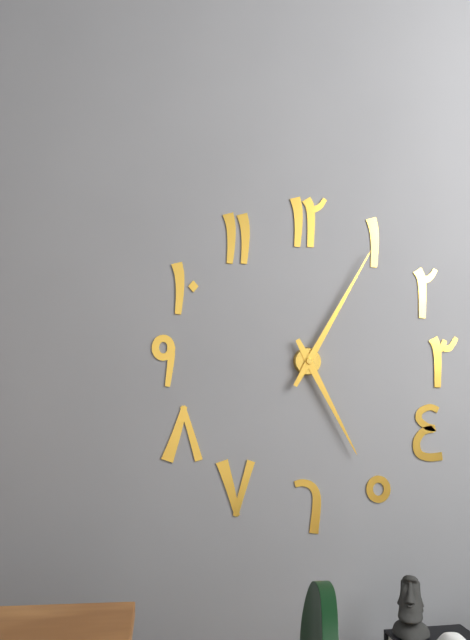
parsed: **5:05**
